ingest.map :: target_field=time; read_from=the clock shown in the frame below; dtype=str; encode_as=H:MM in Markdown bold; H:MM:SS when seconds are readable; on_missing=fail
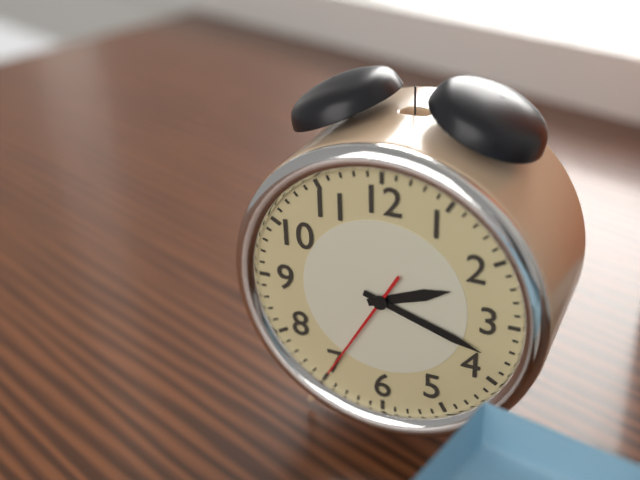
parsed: **2:18:35**
